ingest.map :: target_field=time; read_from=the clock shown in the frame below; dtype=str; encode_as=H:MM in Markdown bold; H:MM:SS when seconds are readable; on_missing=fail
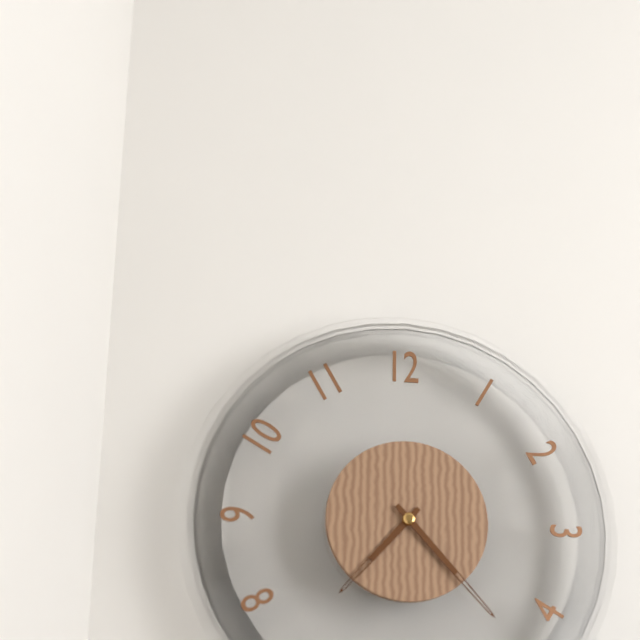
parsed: **7:23**
